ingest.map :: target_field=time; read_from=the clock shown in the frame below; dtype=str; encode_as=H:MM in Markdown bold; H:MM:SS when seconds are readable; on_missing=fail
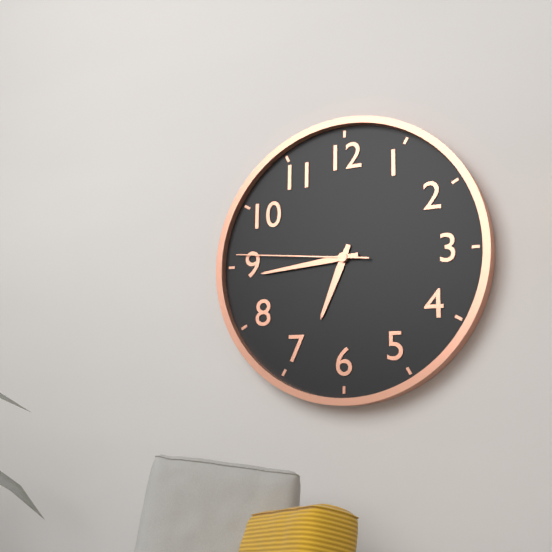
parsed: **6:44:46**
